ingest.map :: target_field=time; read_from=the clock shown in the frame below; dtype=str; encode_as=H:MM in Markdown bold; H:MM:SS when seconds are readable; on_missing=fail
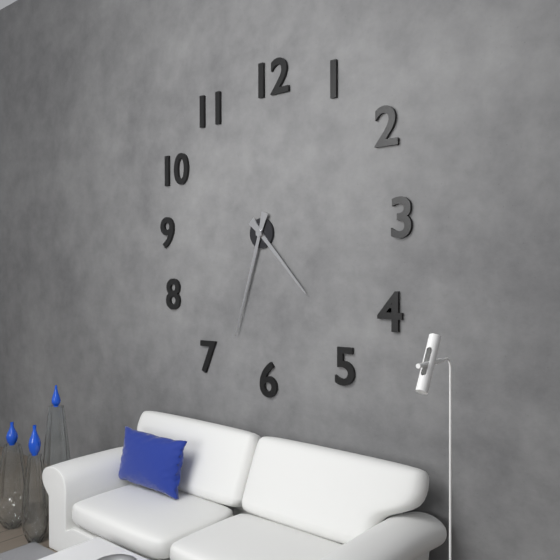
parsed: **4:33**
